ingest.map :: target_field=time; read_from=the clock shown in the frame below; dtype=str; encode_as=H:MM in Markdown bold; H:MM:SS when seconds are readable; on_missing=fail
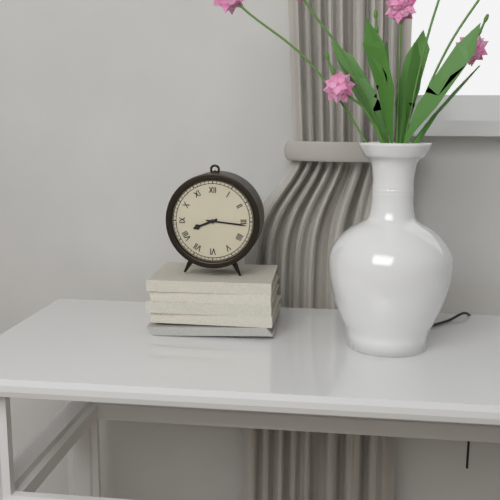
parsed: **8:16**
